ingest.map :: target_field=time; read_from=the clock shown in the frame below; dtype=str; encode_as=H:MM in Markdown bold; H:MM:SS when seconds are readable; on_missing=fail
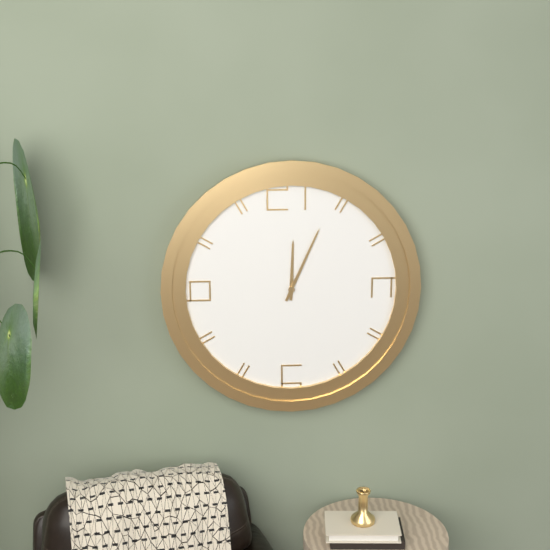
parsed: **12:04**
